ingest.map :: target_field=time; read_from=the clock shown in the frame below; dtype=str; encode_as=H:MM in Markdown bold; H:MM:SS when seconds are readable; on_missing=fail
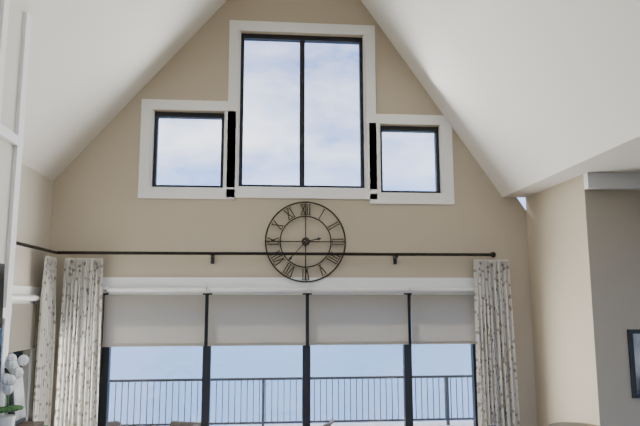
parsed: **2:37**
